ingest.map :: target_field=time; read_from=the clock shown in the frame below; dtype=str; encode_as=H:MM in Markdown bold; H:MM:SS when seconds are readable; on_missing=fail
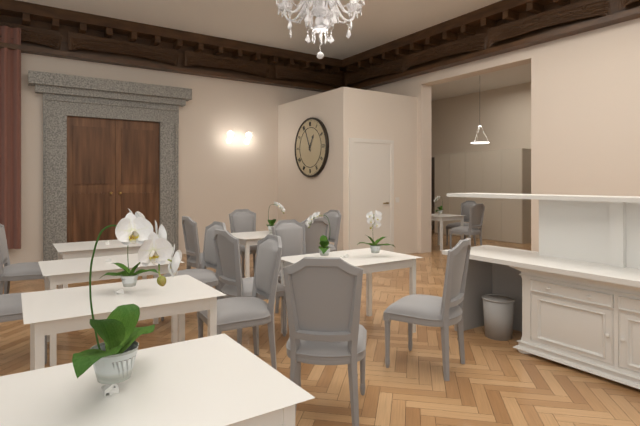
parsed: **12:56**
